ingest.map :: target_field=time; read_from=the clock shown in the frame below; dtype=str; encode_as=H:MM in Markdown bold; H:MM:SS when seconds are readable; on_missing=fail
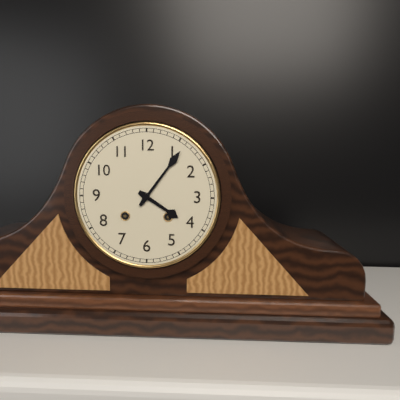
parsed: **4:06**
